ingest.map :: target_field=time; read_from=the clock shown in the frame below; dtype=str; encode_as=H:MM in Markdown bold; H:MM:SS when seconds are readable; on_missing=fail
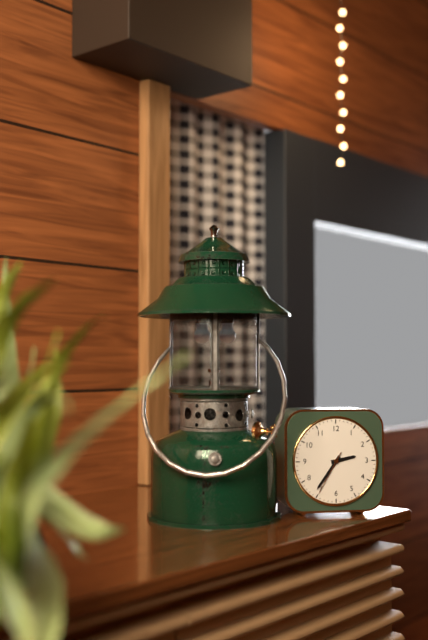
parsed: **2:36**
